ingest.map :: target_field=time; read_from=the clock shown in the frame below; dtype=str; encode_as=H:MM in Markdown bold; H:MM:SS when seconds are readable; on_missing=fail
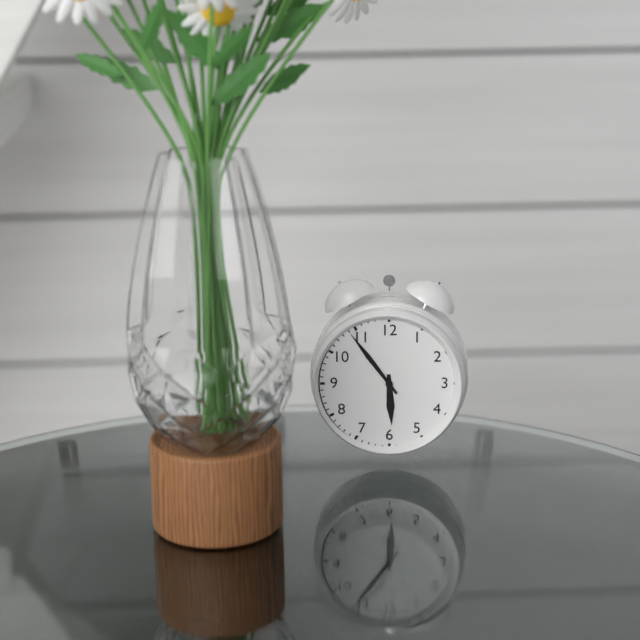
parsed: **5:54**
